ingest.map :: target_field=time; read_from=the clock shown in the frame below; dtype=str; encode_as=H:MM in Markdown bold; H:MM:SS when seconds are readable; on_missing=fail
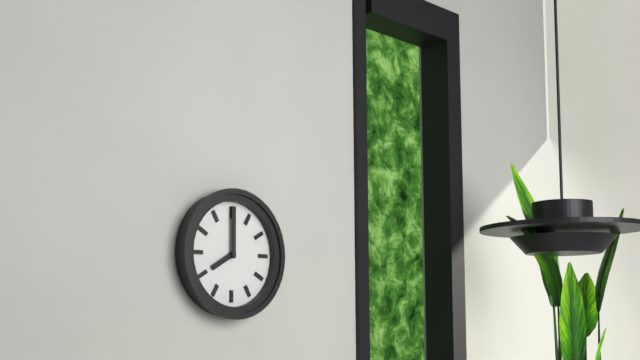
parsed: **8:00**
